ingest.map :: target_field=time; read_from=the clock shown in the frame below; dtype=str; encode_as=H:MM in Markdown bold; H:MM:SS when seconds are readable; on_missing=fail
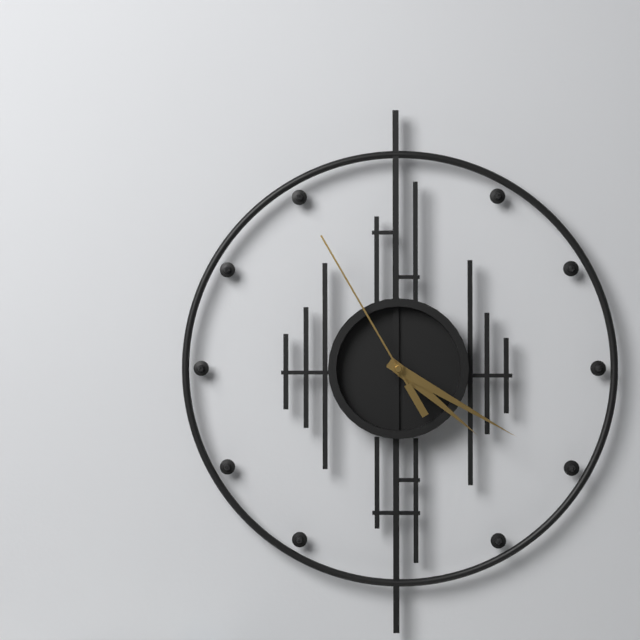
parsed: **4:20:55**
